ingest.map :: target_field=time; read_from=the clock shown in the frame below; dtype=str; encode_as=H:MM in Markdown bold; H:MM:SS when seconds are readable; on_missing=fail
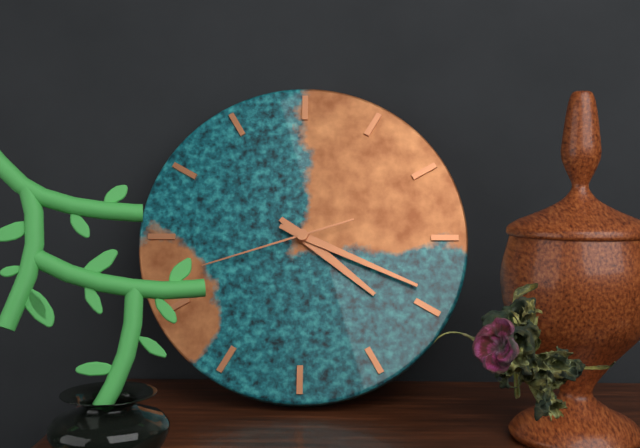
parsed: **4:19:42**
